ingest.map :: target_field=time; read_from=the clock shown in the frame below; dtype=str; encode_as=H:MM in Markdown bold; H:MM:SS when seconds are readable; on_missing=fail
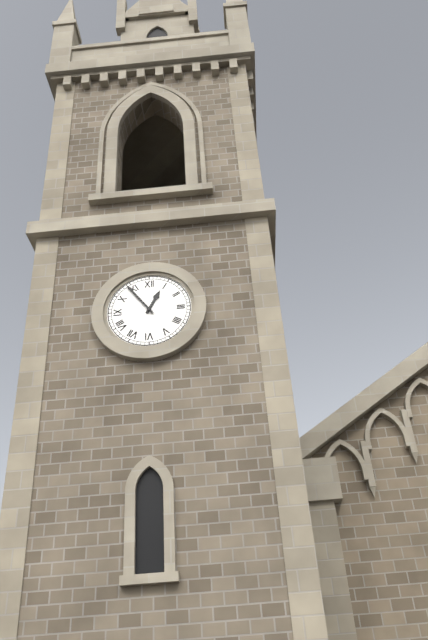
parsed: **12:54**
